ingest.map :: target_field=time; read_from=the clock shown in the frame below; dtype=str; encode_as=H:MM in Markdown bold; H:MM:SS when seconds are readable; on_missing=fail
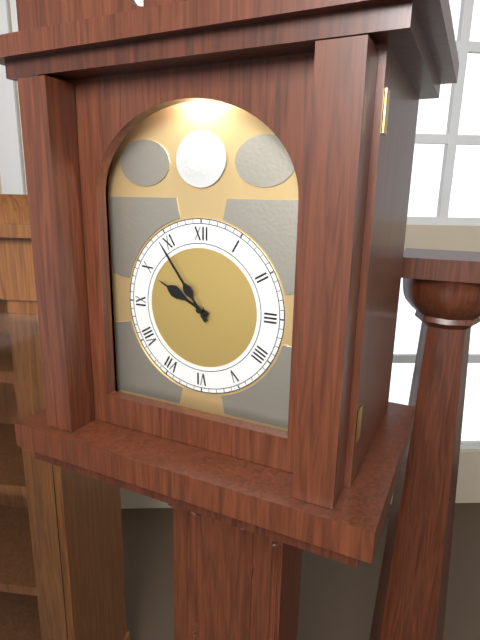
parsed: **9:54**
